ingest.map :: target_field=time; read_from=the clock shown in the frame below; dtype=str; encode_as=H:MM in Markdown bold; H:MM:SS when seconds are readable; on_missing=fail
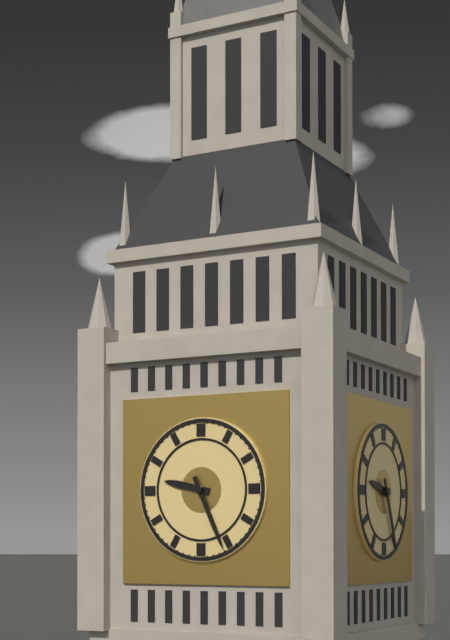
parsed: **9:26**
